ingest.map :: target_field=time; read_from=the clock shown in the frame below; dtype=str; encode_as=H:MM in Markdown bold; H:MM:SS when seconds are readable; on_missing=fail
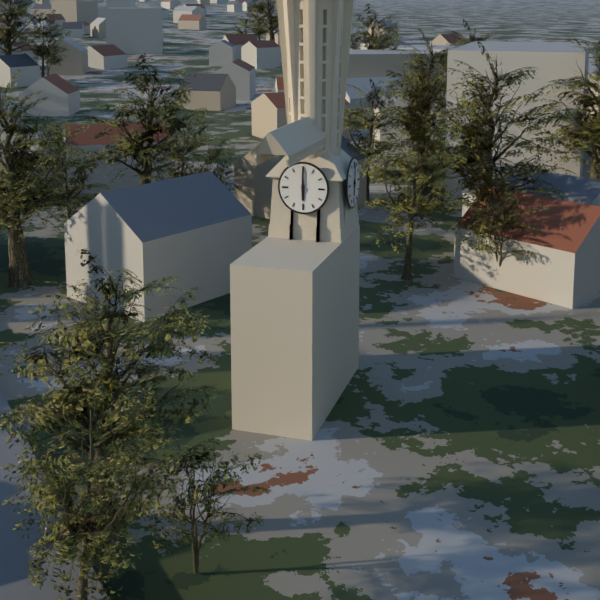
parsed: **6:00**
